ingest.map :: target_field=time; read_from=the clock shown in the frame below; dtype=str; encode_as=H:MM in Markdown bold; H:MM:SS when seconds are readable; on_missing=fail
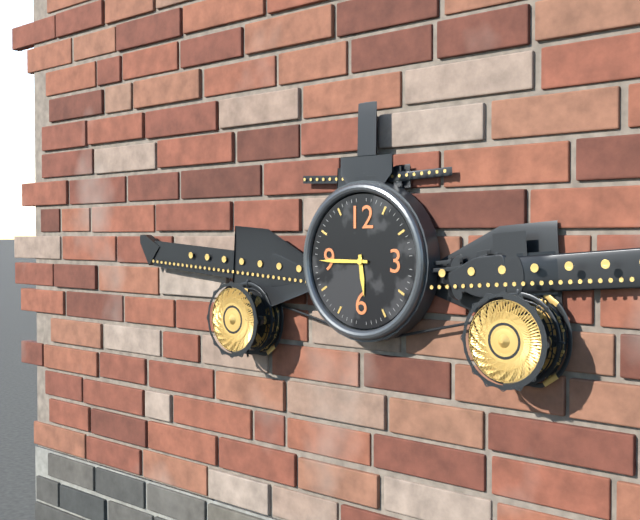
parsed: **5:45**
